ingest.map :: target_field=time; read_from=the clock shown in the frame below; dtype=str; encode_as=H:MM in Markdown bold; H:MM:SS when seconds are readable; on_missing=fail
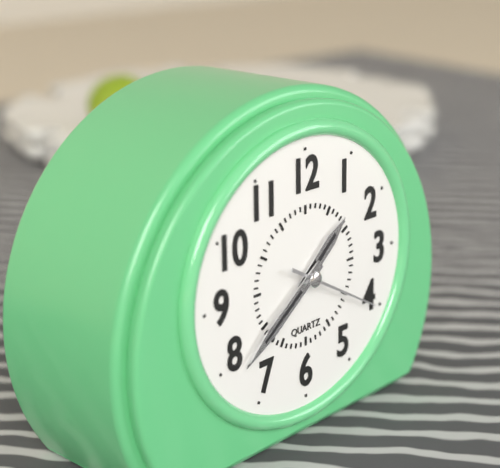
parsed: **1:39:20**
